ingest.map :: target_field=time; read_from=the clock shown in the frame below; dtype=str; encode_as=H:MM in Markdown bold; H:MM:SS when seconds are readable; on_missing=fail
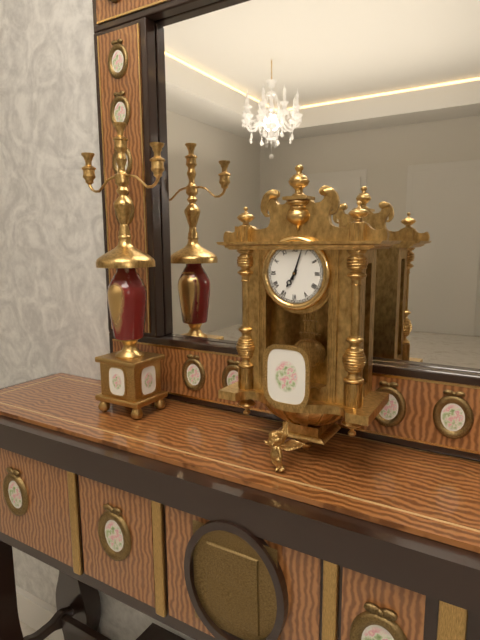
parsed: **7:03**
